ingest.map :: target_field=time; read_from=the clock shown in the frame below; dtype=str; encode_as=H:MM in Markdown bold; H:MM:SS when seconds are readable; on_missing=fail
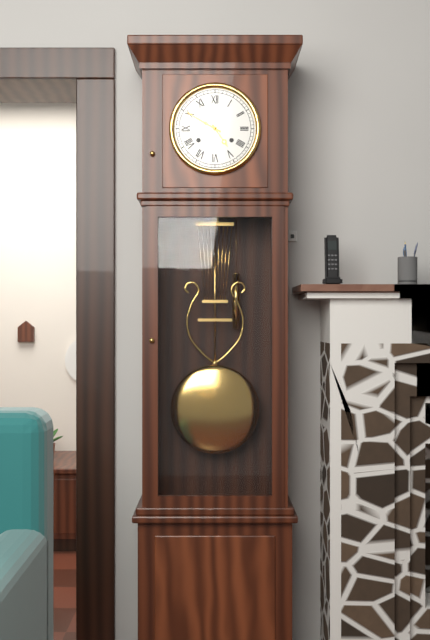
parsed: **4:50**
